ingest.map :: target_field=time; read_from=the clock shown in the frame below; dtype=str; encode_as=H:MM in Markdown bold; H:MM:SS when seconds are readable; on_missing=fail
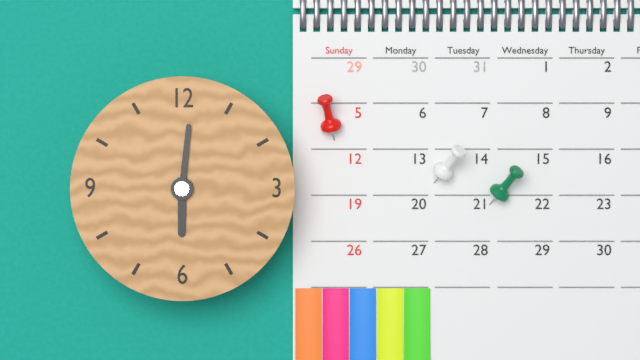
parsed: **6:01**
